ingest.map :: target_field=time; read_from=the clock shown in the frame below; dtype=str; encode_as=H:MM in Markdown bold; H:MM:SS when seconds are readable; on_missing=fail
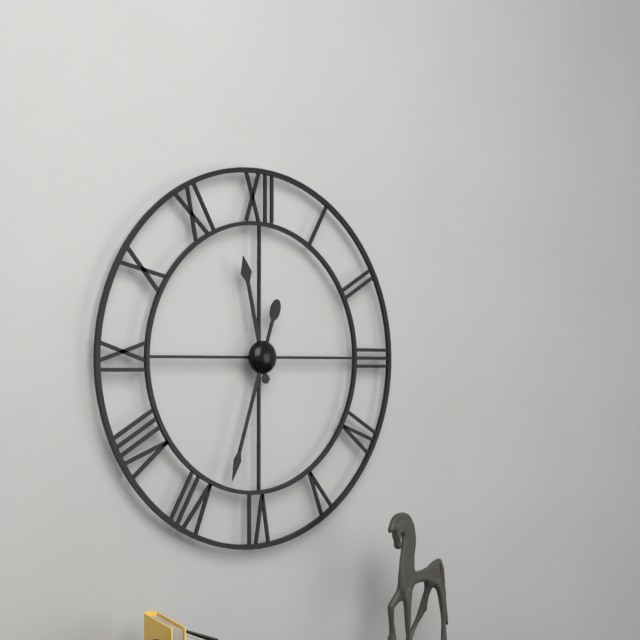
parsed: **11:33**
